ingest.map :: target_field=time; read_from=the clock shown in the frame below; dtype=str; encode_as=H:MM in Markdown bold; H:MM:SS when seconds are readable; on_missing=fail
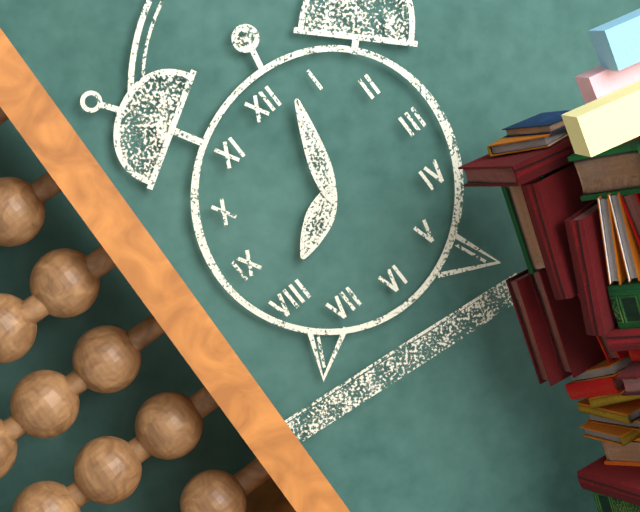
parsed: **8:03**
